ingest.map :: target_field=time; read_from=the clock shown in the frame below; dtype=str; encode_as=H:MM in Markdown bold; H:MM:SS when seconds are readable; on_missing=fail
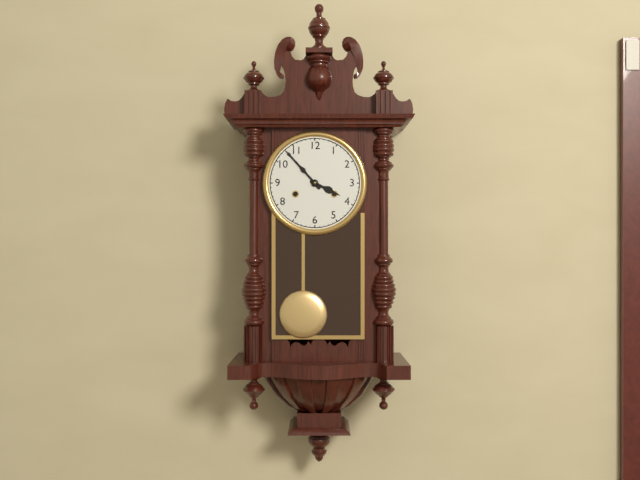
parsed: **3:53**
